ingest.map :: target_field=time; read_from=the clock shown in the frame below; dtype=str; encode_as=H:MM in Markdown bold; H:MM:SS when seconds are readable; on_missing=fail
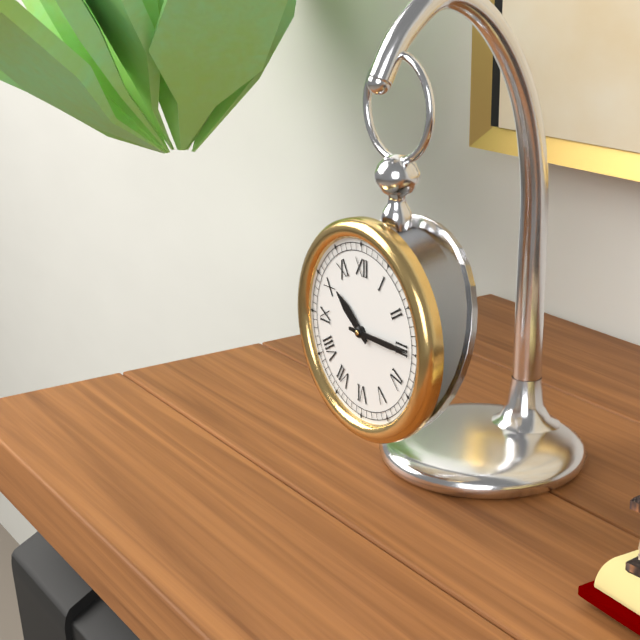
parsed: **10:15**
